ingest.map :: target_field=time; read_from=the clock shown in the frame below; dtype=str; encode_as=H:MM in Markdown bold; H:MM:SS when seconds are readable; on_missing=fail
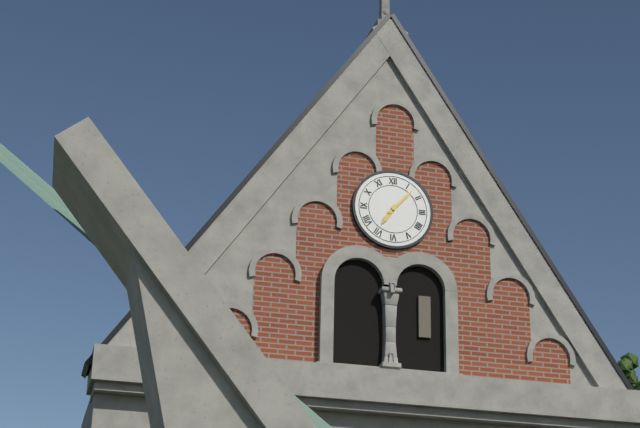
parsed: **7:07**
